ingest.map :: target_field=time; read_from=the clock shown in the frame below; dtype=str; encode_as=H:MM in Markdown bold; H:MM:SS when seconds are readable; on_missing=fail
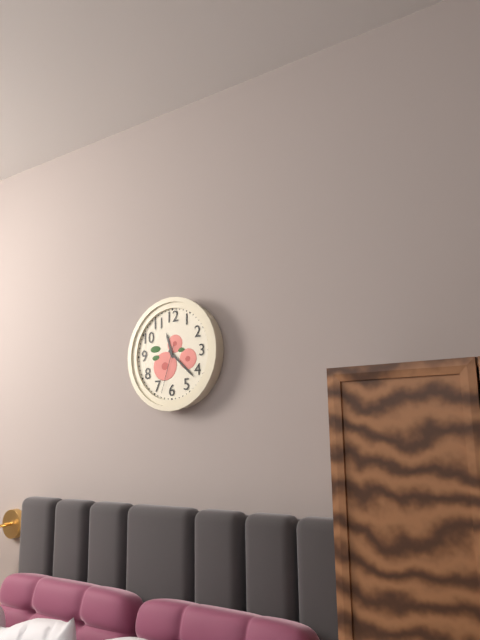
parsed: **11:22:33**
